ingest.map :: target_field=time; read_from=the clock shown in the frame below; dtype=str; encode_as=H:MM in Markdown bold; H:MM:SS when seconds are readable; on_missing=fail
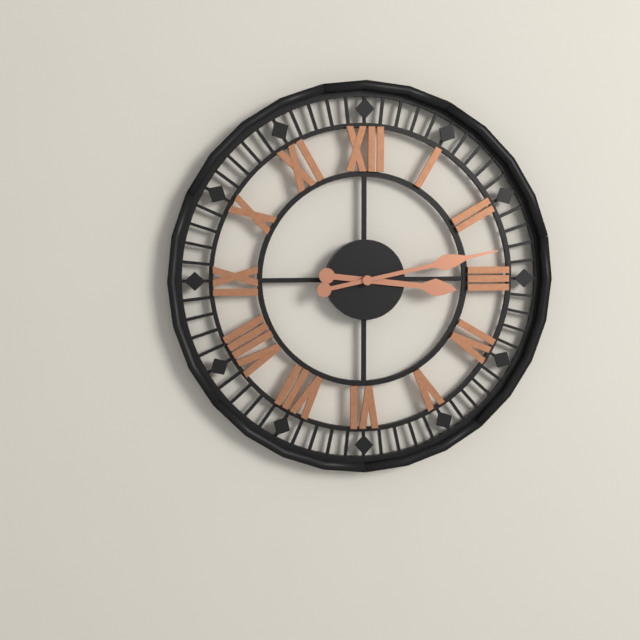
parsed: **3:13**
